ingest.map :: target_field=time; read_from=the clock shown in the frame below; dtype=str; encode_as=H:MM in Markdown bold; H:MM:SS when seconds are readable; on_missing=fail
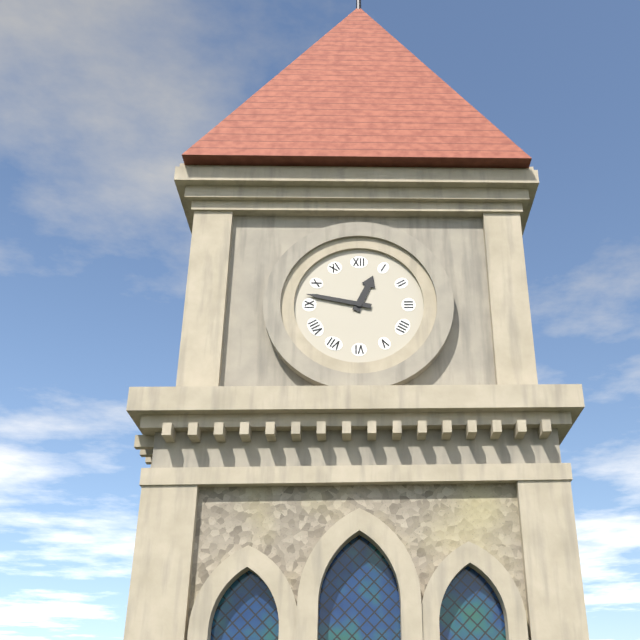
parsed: **12:47**
